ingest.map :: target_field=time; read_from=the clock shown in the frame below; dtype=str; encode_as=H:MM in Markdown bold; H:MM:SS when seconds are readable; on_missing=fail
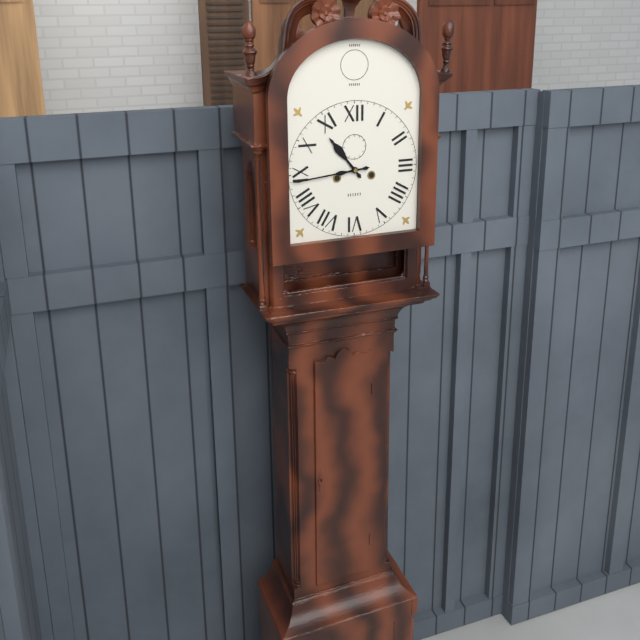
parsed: **10:44**
